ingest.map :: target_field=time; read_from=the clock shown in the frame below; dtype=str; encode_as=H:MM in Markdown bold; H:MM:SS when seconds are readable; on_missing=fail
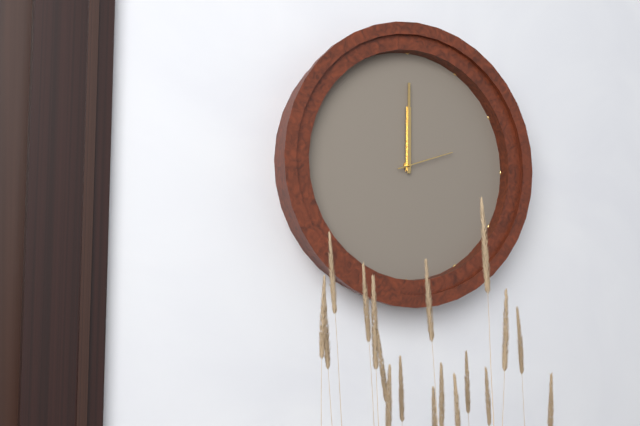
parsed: **12:00:12**
